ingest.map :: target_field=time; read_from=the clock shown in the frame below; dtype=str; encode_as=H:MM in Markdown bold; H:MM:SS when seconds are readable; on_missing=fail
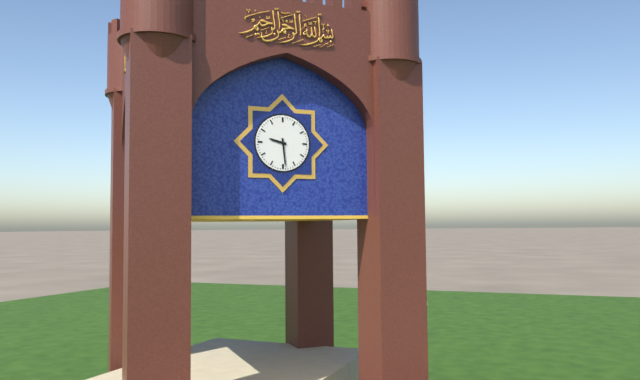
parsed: **9:29**
